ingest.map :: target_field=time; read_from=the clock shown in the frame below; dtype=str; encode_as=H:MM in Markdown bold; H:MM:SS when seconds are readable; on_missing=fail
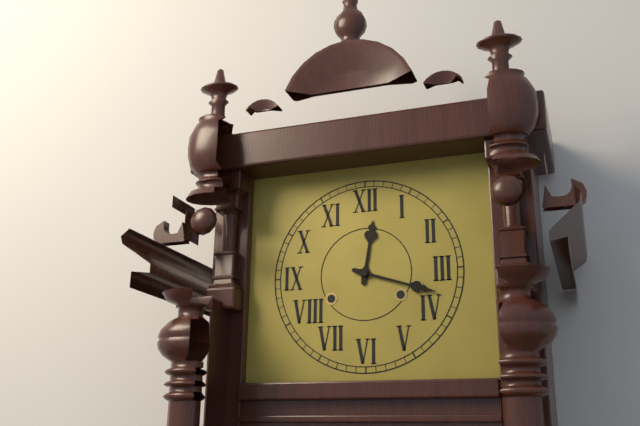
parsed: **12:18**
